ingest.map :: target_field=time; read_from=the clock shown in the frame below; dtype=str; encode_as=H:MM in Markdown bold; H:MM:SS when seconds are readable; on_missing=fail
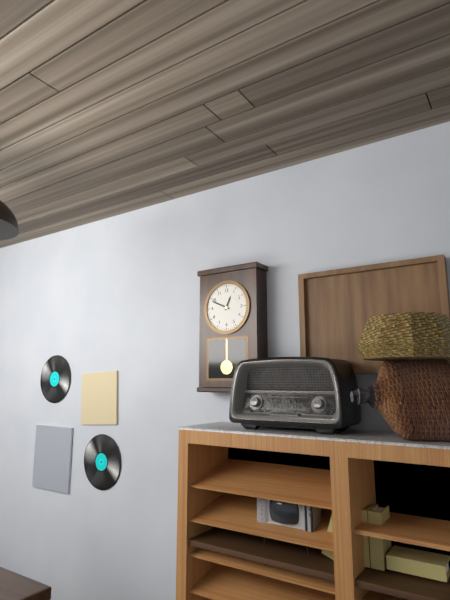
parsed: **12:49**
